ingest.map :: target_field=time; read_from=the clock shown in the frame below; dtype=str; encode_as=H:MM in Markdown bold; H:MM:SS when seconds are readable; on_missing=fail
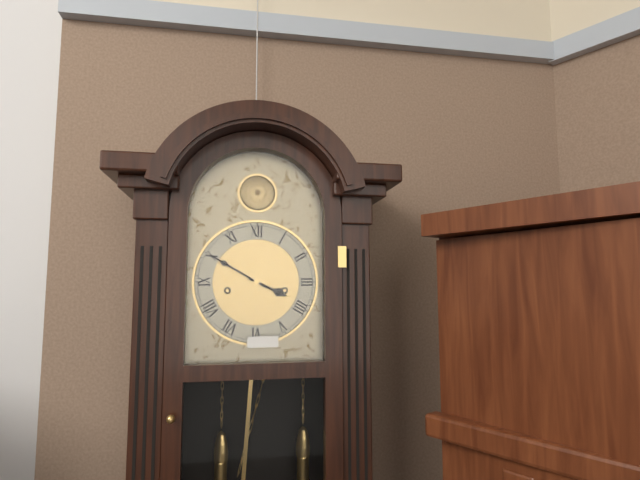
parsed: **3:50**
